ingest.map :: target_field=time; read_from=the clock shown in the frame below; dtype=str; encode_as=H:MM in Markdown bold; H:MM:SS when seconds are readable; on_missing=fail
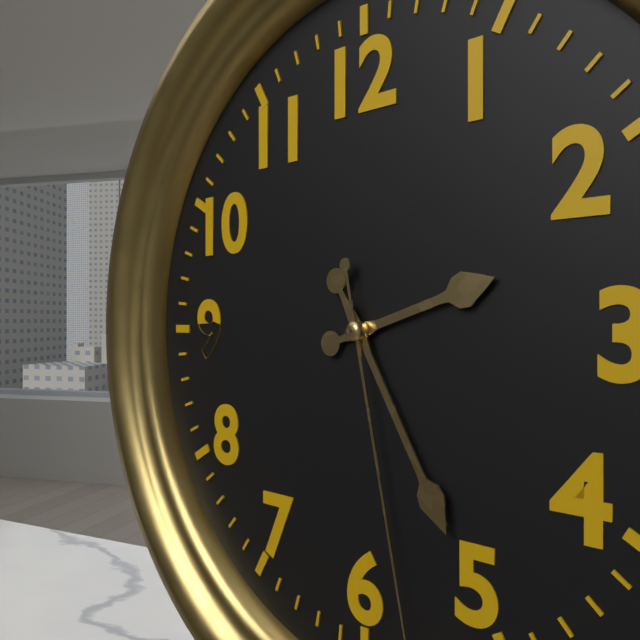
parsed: **2:25**
